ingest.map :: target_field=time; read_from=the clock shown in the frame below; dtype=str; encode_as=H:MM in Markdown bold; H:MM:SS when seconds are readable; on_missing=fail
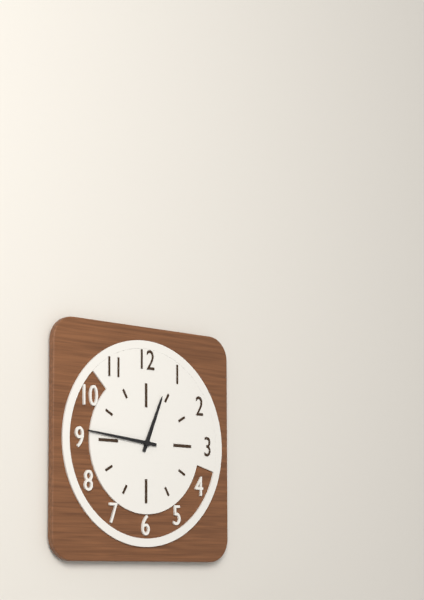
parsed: **12:46**
